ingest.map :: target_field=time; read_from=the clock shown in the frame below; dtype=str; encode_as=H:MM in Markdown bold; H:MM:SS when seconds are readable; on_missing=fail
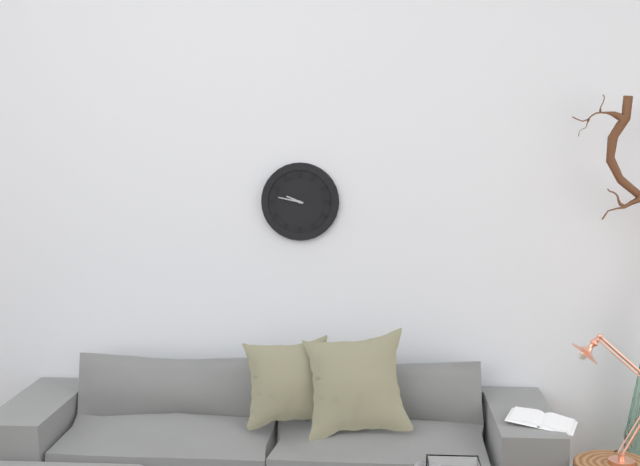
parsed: **9:47**
